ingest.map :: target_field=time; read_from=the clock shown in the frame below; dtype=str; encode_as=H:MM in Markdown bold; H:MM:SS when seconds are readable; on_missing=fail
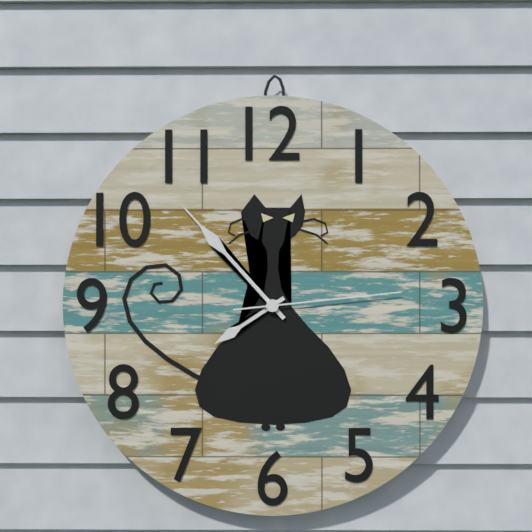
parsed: **7:53:14**
